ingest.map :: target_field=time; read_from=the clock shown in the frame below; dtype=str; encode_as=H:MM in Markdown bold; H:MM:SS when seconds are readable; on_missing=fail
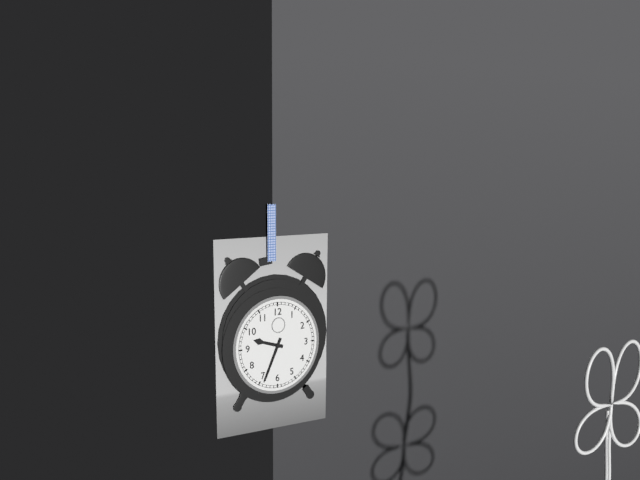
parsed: **9:34**
